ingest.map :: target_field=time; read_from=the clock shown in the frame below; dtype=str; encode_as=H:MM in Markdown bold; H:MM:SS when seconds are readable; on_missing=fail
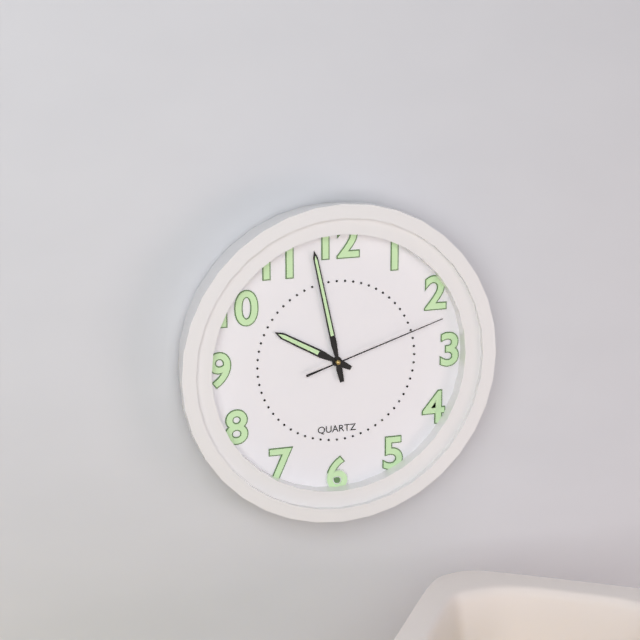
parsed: **9:58:12**
